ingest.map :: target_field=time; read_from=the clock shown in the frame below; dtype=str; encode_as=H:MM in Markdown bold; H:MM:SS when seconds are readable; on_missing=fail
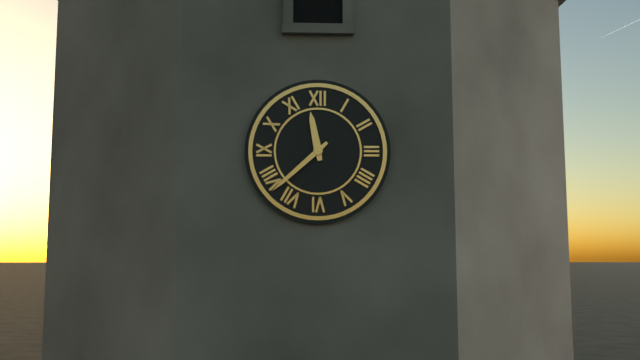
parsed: **11:38**
